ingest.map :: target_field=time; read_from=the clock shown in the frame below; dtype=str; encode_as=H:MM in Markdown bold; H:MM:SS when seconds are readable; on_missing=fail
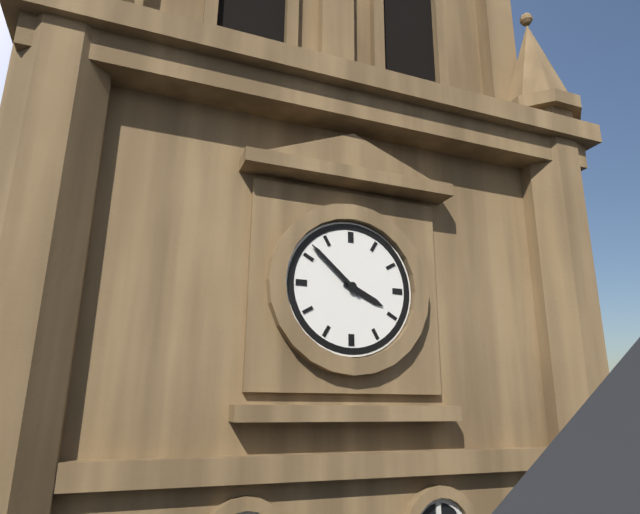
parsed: **3:52**
